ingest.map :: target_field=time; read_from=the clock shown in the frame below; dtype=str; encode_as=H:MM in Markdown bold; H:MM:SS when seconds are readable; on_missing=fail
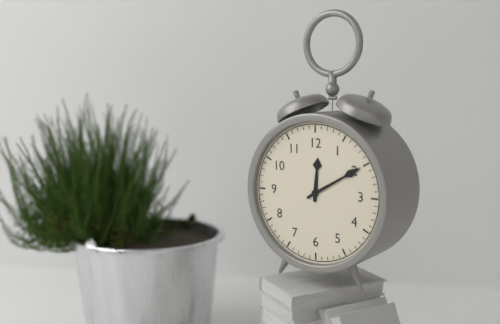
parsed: **12:10**
